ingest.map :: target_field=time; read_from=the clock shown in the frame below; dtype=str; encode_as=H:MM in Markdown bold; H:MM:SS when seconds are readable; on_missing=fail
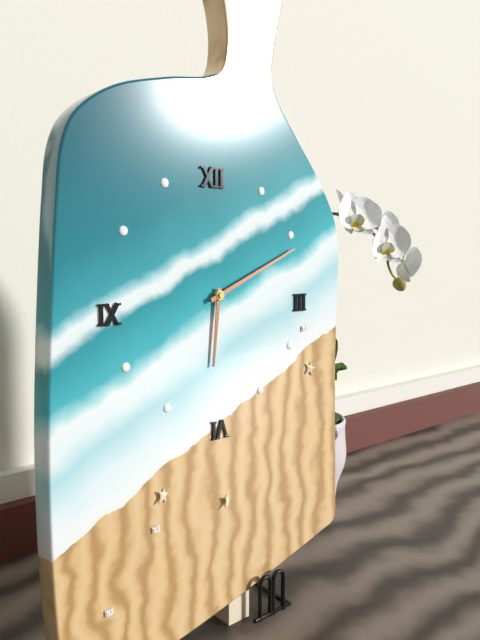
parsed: **6:11**
